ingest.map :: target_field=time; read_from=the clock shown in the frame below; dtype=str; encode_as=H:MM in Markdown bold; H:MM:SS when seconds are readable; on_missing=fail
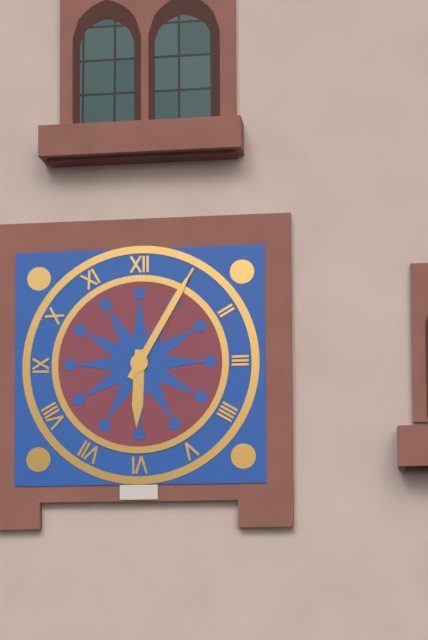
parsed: **6:05**
